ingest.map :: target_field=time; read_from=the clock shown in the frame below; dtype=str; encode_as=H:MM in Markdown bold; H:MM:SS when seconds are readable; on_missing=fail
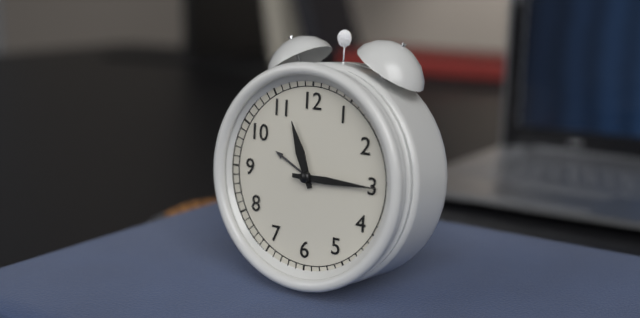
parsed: **11:15**
